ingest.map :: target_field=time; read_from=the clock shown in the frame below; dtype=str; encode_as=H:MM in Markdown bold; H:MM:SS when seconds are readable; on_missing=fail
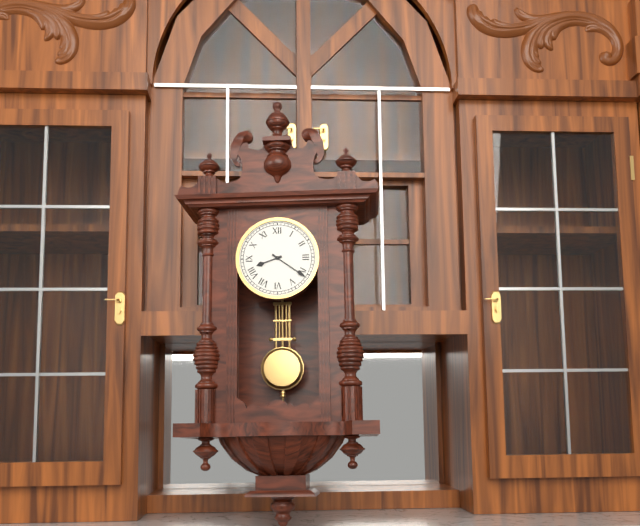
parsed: **8:21**
